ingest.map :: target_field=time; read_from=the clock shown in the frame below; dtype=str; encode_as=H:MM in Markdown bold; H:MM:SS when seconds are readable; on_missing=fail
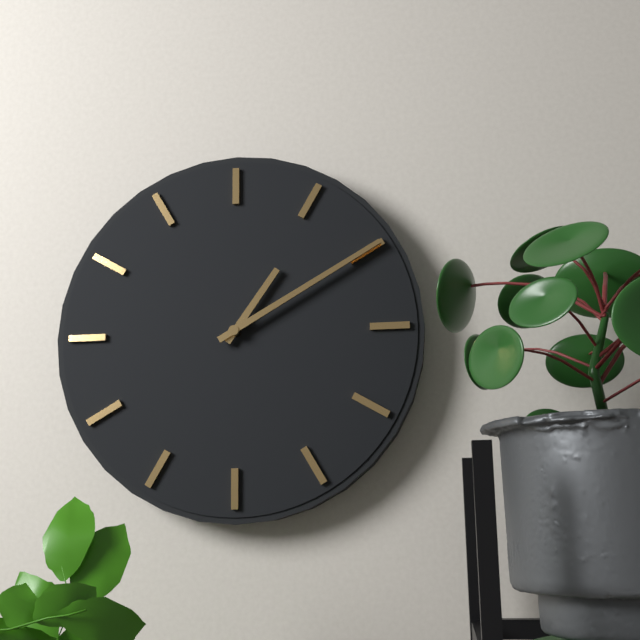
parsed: **1:10**
